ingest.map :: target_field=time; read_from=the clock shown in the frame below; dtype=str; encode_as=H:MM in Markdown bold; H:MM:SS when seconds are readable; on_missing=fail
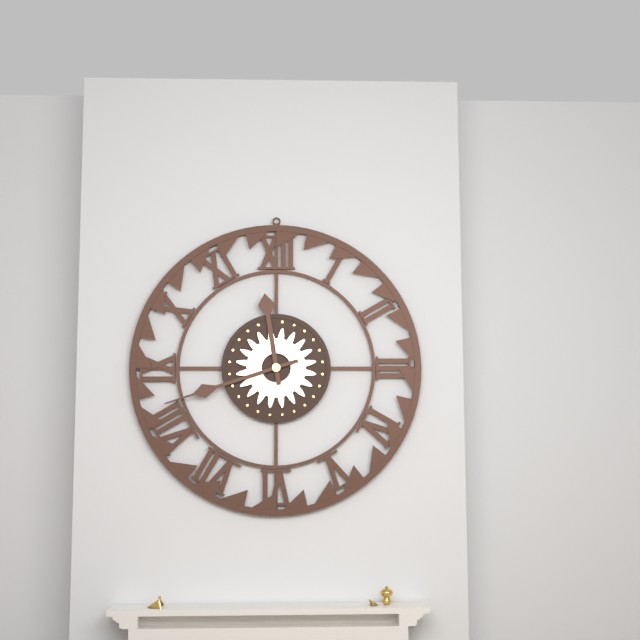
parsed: **11:42**
